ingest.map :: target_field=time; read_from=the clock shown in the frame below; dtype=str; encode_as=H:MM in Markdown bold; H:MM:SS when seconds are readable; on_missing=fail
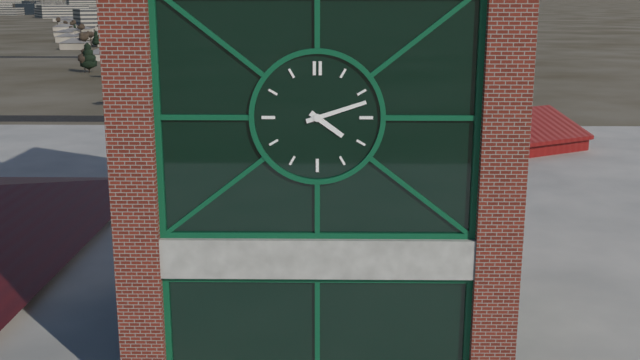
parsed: **4:12**
